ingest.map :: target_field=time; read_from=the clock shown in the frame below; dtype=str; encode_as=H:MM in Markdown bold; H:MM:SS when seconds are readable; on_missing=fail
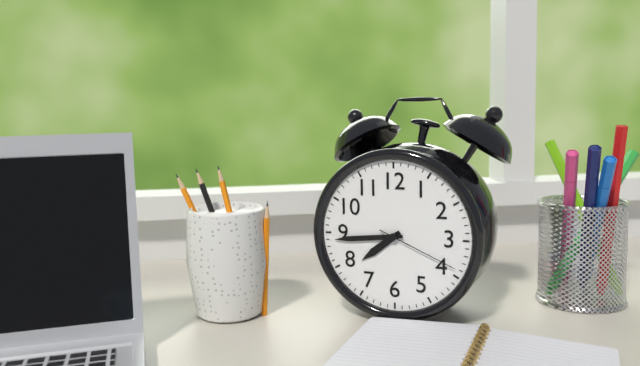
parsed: **7:44:19**
